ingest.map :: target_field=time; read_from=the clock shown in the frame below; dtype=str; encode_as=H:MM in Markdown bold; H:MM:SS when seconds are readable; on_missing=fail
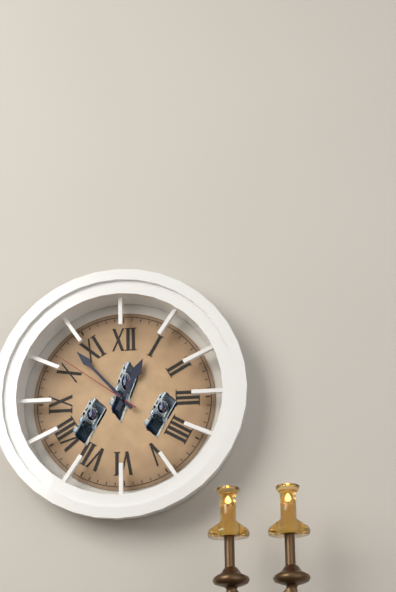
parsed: **12:53:51**
